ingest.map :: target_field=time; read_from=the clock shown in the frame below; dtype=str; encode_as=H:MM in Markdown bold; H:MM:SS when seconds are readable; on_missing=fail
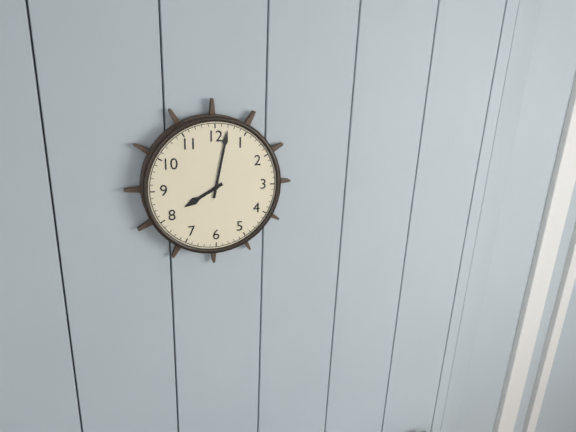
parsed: **8:02**
